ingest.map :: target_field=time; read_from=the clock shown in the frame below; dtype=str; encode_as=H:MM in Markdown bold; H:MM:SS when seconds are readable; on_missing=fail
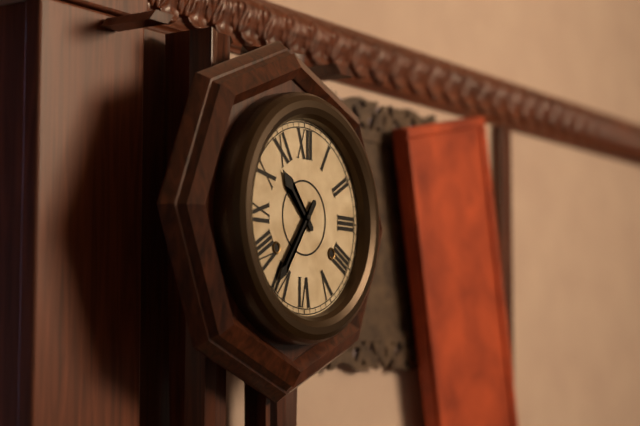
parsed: **10:36**
